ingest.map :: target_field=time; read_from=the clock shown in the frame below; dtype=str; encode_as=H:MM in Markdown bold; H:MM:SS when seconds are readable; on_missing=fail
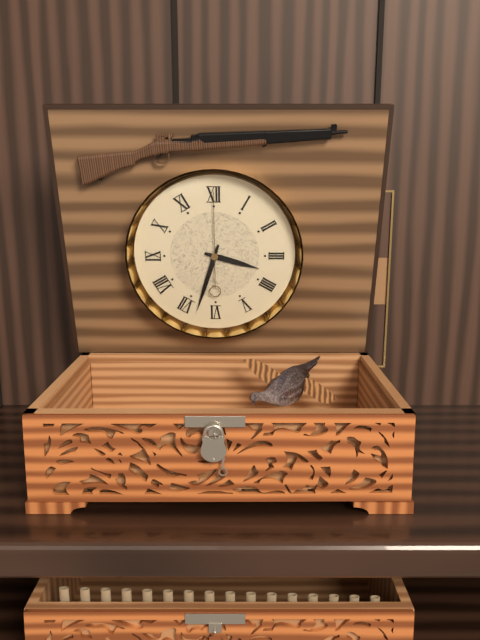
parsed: **3:33:00**
